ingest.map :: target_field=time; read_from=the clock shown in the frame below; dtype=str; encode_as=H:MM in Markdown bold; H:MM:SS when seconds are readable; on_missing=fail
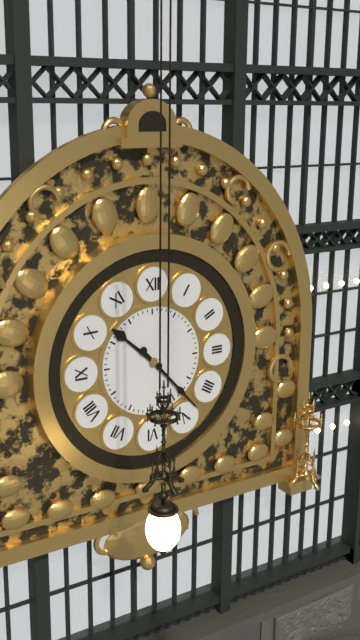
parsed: **10:23**
